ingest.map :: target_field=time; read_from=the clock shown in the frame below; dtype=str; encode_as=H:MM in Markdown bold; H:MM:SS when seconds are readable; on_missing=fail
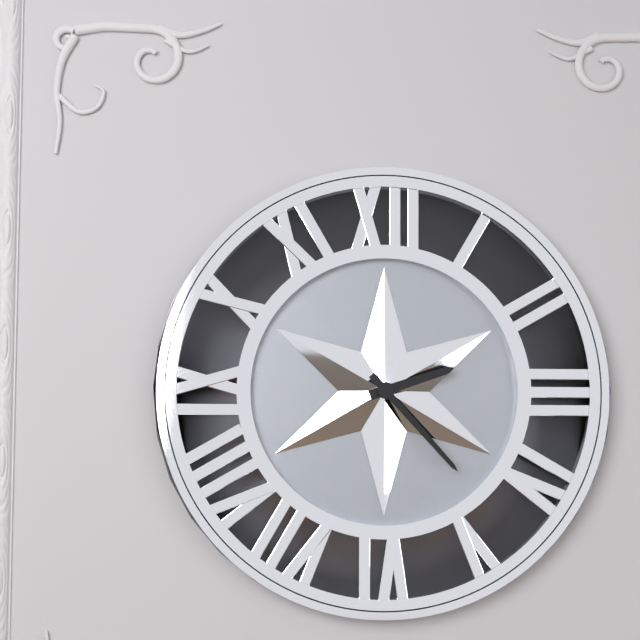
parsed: **2:23**
